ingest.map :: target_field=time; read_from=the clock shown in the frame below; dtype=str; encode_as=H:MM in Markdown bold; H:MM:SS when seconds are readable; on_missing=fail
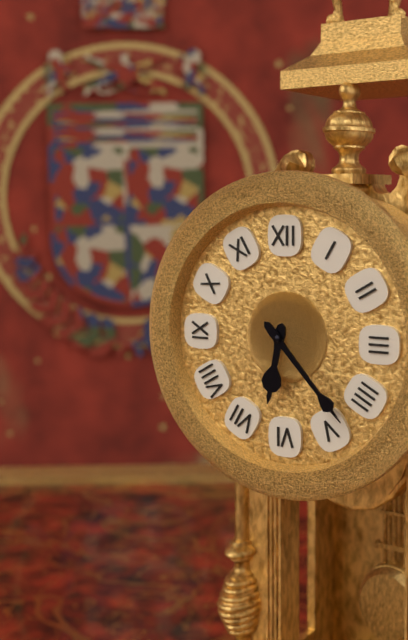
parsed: **6:23**
